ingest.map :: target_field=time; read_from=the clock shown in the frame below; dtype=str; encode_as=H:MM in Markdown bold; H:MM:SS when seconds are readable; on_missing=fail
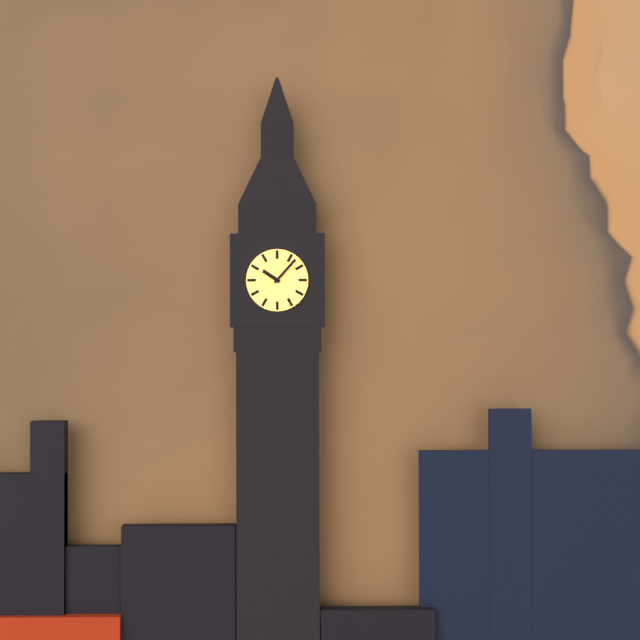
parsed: **10:07**
